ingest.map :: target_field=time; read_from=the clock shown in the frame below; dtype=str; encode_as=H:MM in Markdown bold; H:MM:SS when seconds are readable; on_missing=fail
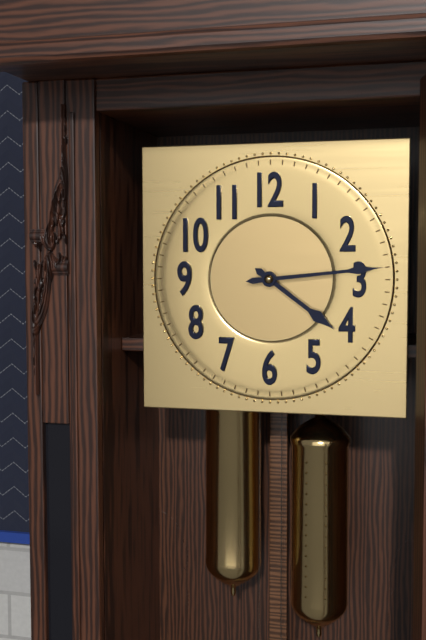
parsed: **4:14**
